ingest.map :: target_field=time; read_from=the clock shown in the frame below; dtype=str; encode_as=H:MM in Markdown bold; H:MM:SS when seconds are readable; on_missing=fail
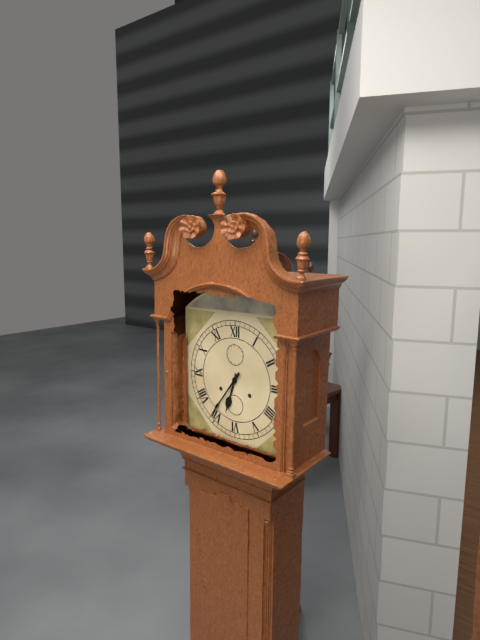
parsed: **6:36**
